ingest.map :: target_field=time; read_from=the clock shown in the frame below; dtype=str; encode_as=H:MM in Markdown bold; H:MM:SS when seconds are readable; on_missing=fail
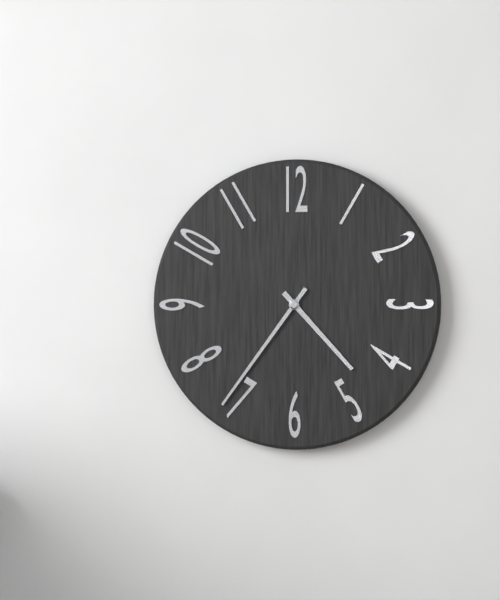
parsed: **4:36**
